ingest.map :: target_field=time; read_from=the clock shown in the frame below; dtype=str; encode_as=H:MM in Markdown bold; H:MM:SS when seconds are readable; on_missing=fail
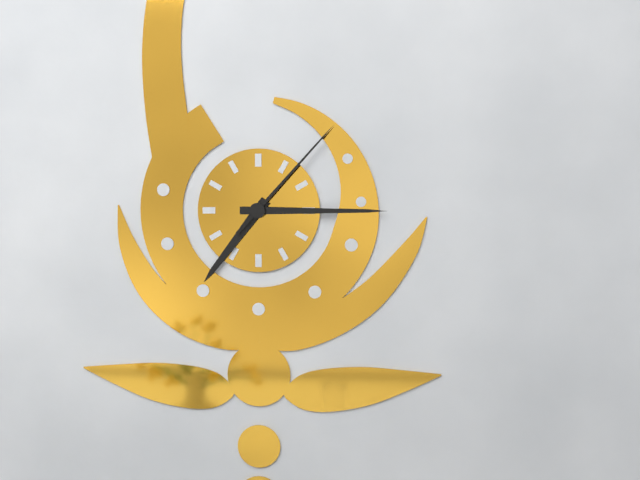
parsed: **7:15:07**
